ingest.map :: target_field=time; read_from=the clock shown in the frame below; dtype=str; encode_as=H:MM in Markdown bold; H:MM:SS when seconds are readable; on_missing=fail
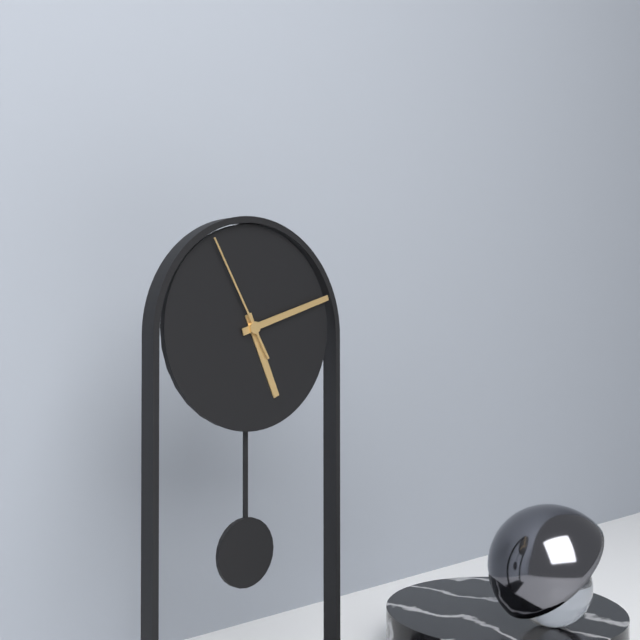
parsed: **5:12:55**
